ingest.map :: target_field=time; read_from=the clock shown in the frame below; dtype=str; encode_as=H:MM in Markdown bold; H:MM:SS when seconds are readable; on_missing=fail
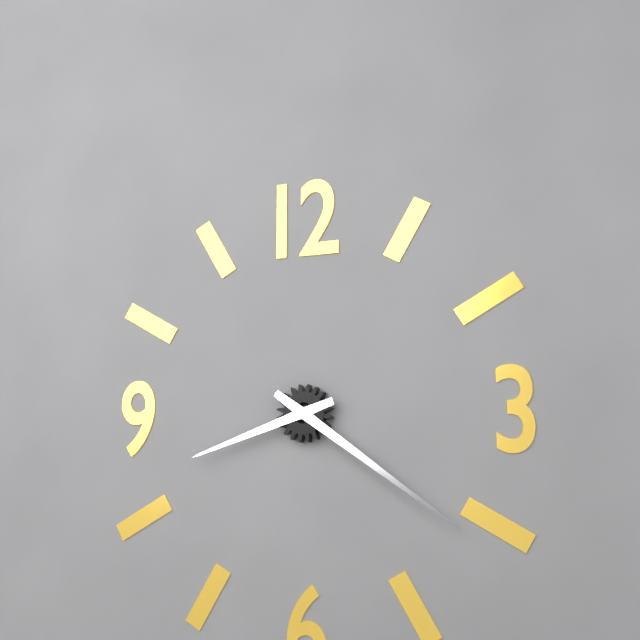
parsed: **8:21**
